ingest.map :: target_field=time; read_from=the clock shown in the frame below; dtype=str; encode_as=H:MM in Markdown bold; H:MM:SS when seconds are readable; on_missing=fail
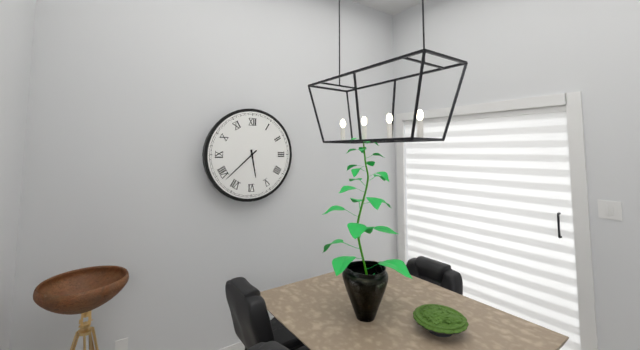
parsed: **5:38**
